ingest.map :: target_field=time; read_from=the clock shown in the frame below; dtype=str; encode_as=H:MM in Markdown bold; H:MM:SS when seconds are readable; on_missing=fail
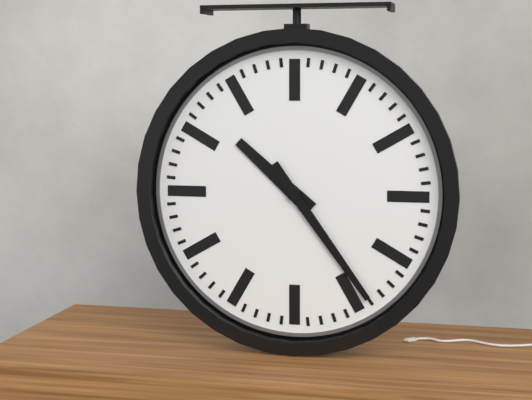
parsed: **10:24**
